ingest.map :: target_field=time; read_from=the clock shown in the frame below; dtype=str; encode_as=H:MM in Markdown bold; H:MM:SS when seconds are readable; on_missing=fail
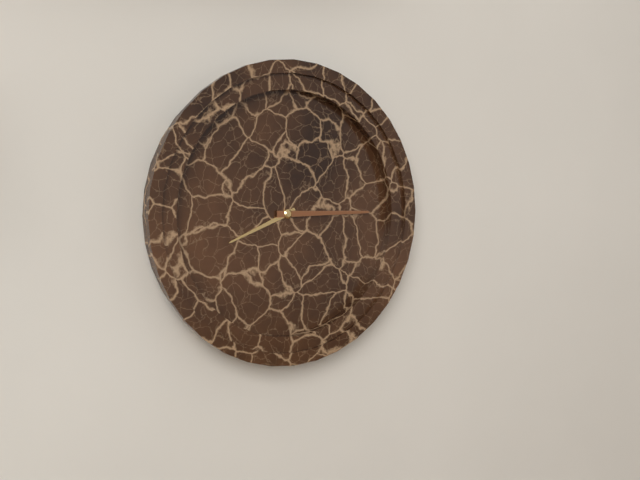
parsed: **8:15**
